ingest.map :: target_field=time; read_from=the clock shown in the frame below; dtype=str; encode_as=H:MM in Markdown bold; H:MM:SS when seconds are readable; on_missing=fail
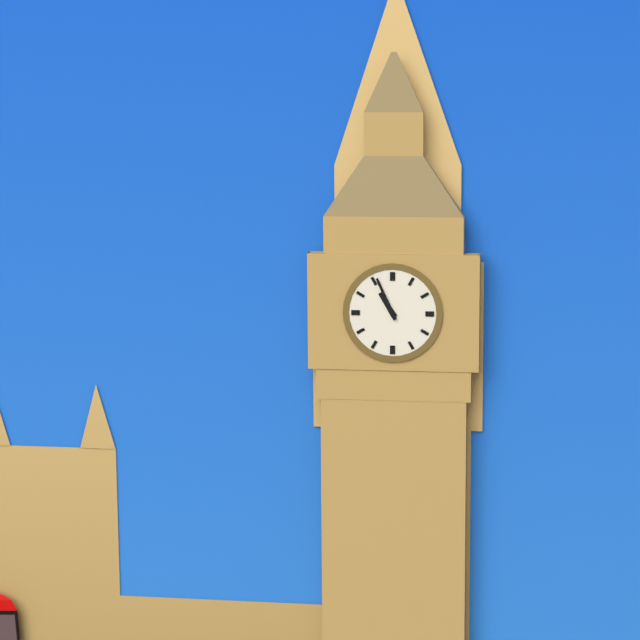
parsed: **10:56**
